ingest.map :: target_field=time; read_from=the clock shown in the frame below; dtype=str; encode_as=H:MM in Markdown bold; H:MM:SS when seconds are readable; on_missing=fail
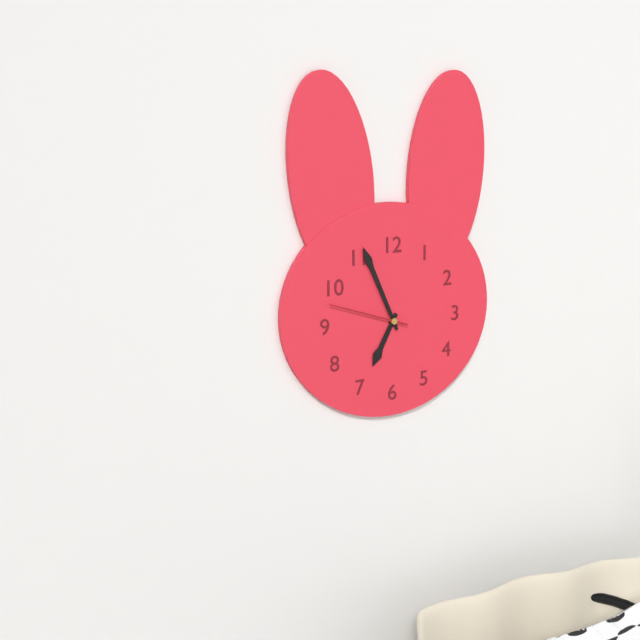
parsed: **6:56:48**
